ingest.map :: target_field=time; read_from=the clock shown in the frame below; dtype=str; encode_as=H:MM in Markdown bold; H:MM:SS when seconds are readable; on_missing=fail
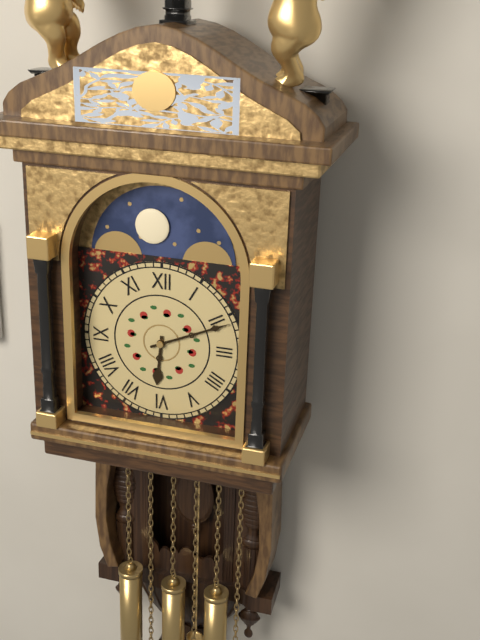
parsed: **6:11**
